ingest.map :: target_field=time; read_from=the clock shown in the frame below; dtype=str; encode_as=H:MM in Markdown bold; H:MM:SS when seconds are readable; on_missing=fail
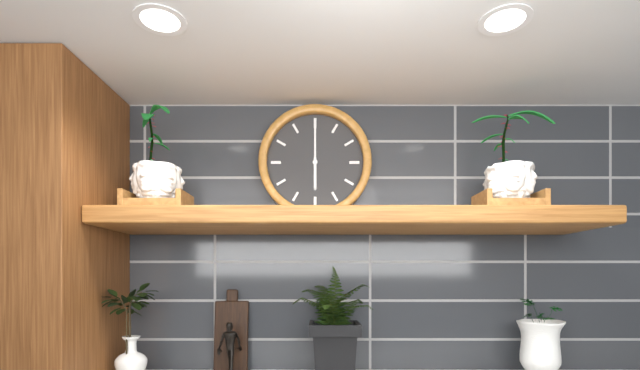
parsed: **6:00**
